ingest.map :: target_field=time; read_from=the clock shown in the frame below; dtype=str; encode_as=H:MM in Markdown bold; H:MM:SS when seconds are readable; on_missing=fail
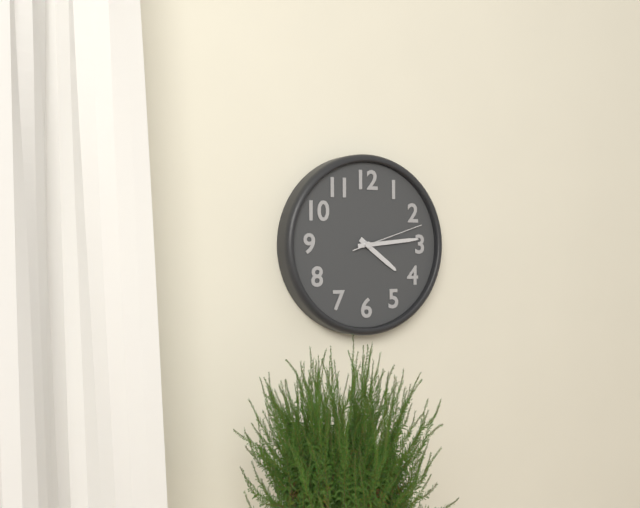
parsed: **4:14:12**
